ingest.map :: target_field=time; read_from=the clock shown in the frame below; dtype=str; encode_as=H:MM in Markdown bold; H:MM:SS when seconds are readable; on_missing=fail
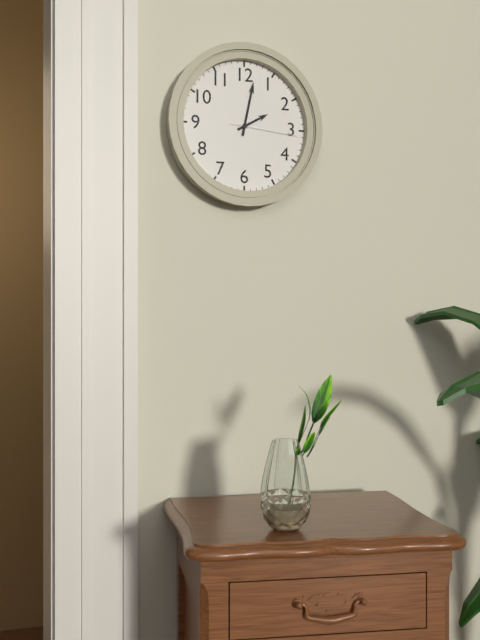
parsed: **2:02:16**
